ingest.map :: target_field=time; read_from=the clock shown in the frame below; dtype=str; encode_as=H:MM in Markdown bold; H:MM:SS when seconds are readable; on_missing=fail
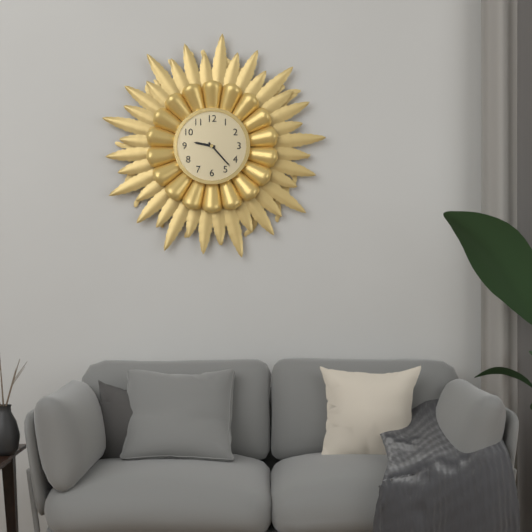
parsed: **9:23**
